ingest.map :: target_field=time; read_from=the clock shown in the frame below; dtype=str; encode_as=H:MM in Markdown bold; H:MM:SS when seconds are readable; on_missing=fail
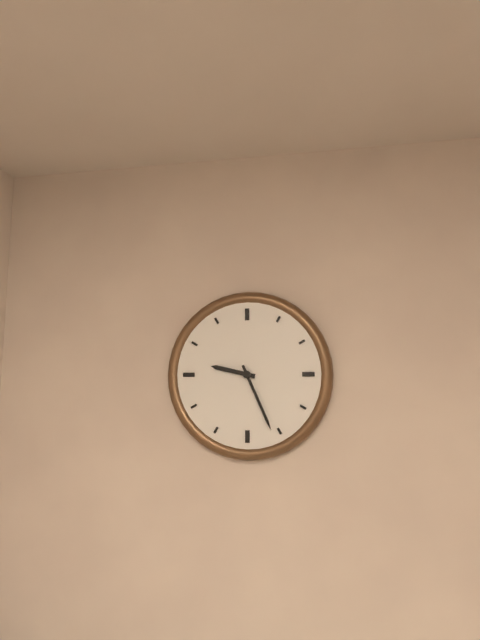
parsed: **9:26**
